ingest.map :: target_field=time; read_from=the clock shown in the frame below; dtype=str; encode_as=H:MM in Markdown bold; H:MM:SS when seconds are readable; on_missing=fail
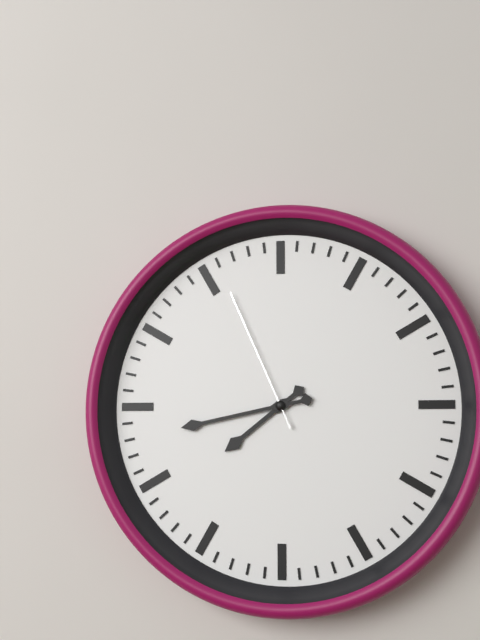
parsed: **7:43:56**
